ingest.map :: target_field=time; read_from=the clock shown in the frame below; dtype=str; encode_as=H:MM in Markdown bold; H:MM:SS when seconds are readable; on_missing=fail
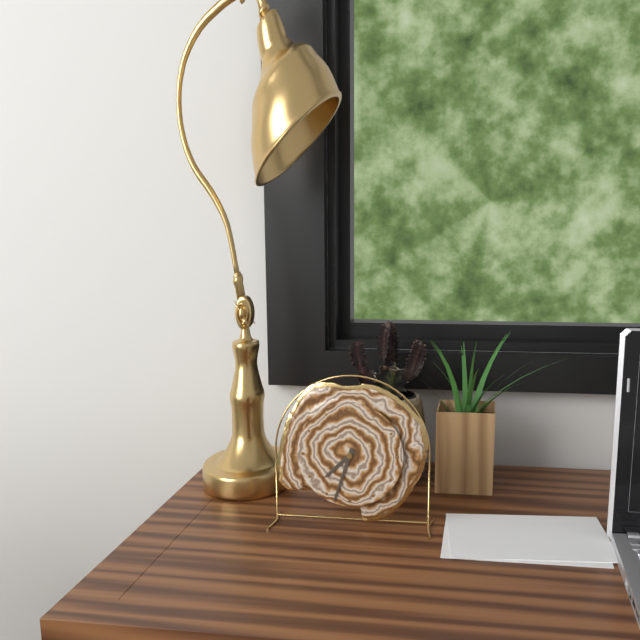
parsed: **7:33**
